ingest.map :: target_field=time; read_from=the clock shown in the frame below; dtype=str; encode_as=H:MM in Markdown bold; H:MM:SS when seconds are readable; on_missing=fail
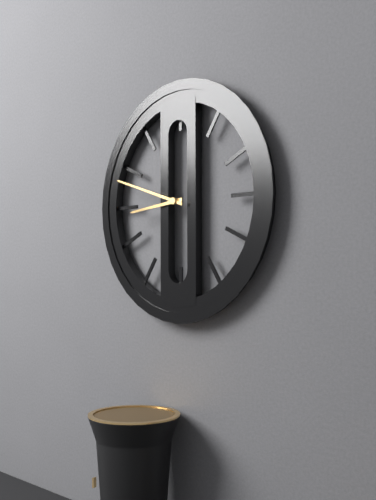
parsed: **8:48**
